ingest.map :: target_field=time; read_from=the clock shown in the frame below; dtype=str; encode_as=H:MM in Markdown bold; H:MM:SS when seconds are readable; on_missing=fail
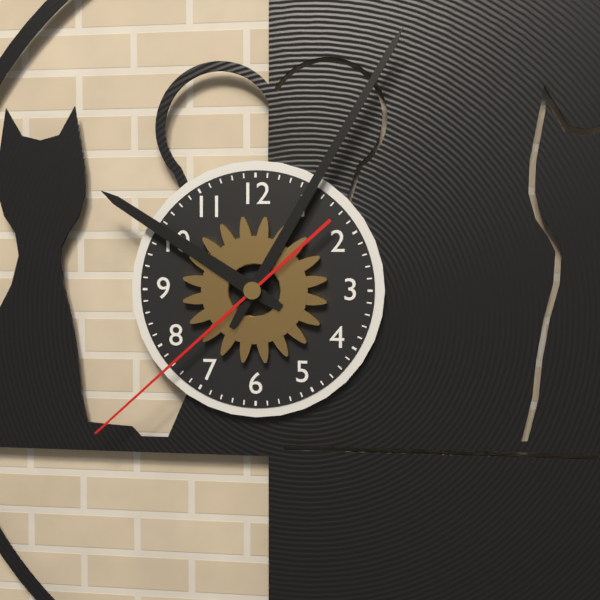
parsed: **10:05:38**
